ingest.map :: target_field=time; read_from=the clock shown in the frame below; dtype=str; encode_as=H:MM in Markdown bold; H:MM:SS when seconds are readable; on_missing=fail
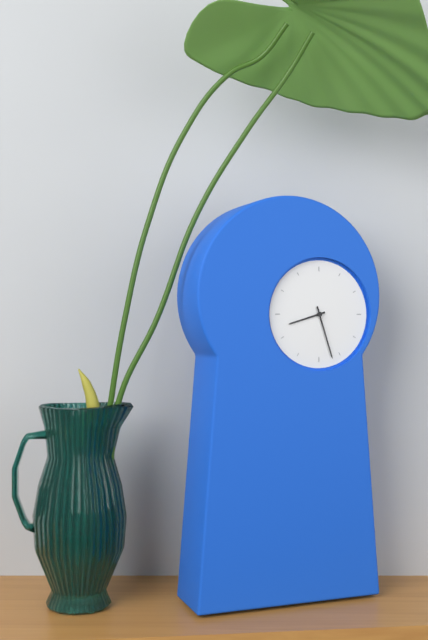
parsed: **8:27**
